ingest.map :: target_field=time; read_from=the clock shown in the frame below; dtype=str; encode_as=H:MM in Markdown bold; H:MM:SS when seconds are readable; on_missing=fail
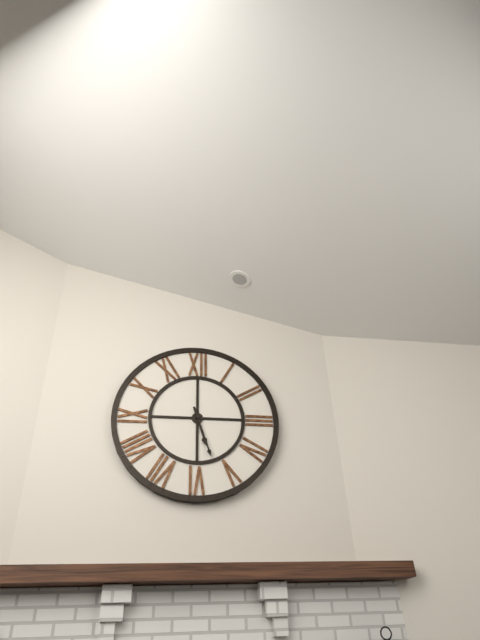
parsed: **5:27**
